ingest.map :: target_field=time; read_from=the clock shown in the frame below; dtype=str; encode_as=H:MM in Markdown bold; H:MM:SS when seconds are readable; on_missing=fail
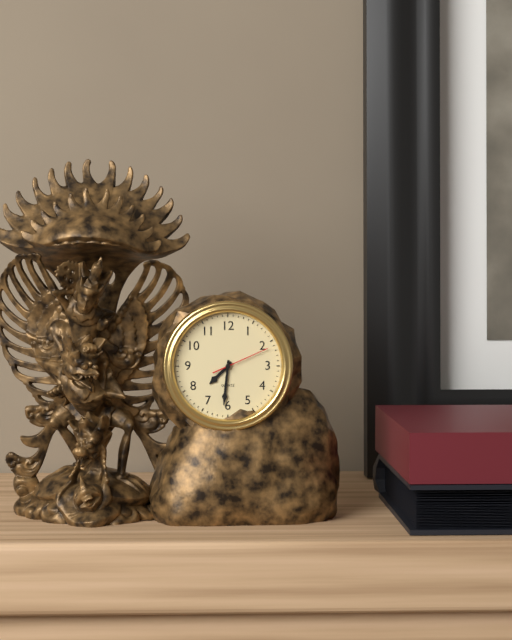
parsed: **7:31:11**
